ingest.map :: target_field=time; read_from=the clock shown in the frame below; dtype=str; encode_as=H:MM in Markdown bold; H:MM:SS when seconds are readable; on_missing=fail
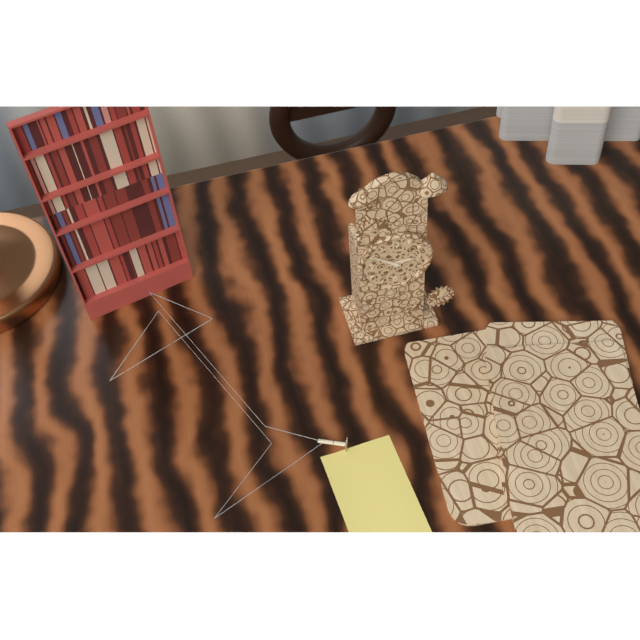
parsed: **2:51**
